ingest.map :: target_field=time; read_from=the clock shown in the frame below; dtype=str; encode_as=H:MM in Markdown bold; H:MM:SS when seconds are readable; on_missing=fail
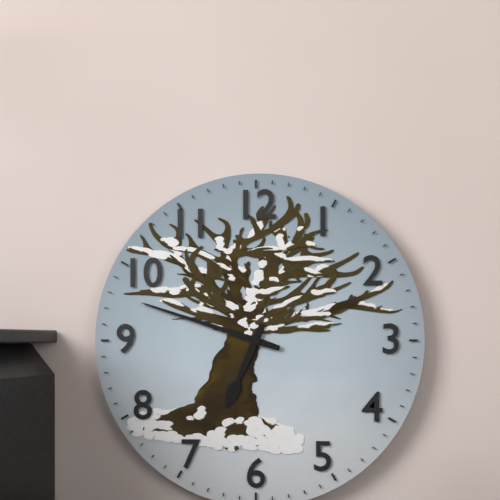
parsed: **6:48**
